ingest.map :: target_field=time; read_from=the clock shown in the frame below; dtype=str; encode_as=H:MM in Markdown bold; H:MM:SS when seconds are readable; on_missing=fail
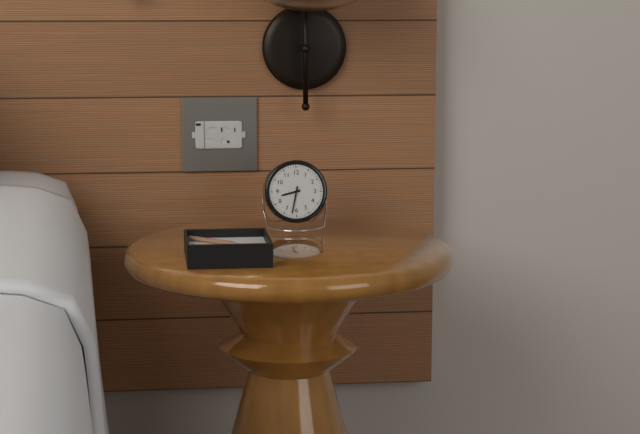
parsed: **8:32**
